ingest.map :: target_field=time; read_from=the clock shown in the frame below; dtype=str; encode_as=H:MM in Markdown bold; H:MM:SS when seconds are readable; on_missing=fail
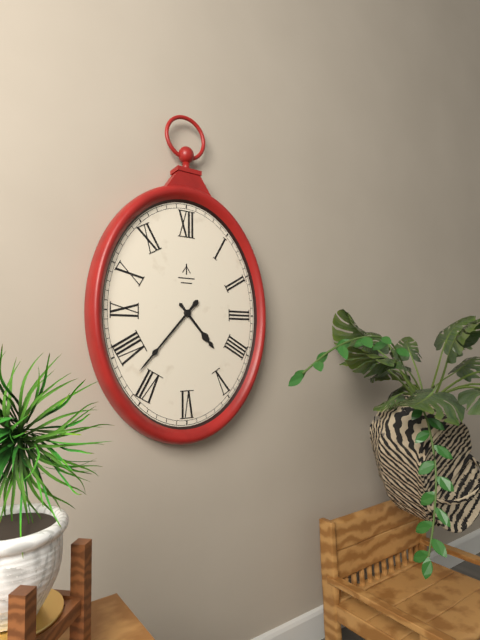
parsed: **4:37**
